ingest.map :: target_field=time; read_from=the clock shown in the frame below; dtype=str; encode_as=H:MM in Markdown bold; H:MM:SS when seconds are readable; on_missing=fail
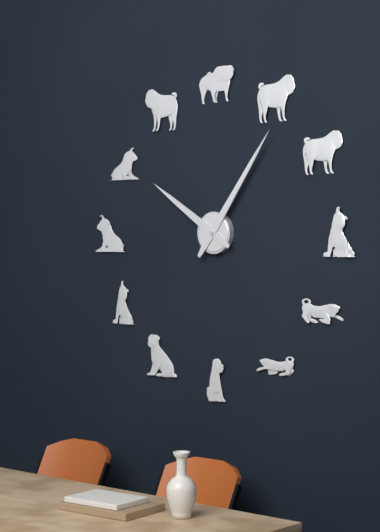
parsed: **10:06**
